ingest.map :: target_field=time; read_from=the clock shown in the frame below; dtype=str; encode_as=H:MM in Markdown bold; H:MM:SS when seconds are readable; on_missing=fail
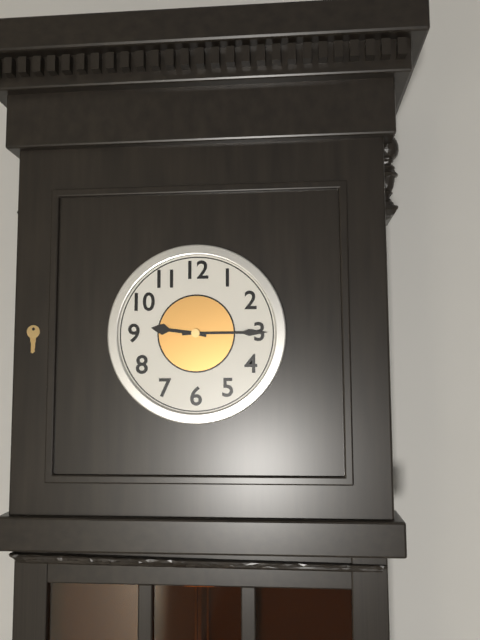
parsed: **9:15**
